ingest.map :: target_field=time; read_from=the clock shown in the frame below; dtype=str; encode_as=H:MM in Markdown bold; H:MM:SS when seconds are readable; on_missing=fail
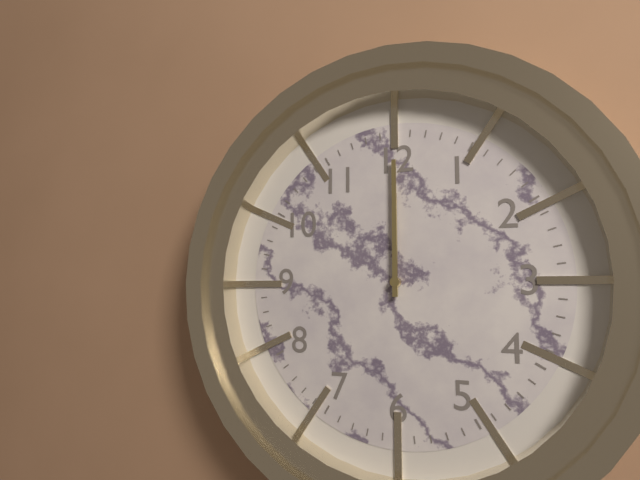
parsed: **12:00**
